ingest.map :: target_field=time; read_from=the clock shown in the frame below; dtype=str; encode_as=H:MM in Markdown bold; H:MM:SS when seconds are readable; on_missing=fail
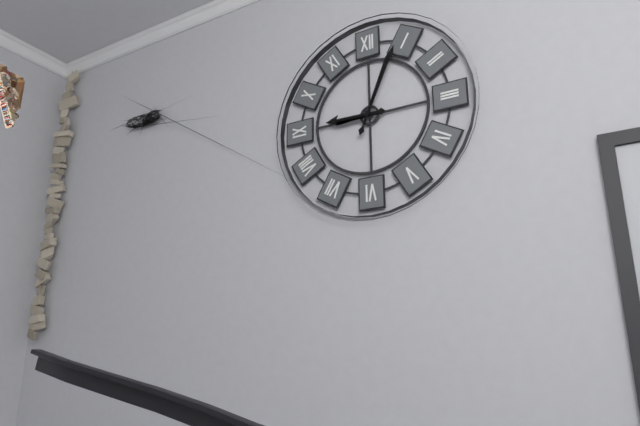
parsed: **9:04**
